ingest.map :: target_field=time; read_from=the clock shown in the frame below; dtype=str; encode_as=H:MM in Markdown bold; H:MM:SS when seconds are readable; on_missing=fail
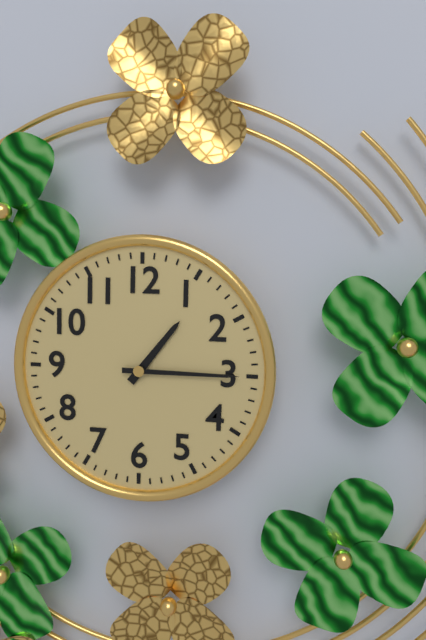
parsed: **1:15**
